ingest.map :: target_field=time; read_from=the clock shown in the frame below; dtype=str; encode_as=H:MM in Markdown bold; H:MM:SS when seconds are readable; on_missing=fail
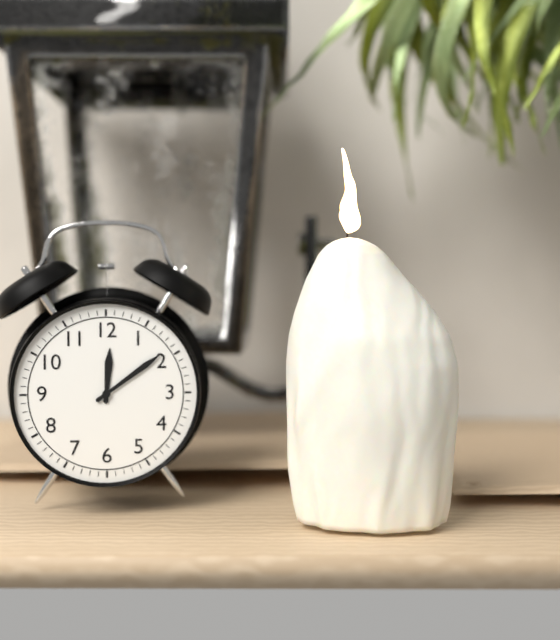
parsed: **12:09**
